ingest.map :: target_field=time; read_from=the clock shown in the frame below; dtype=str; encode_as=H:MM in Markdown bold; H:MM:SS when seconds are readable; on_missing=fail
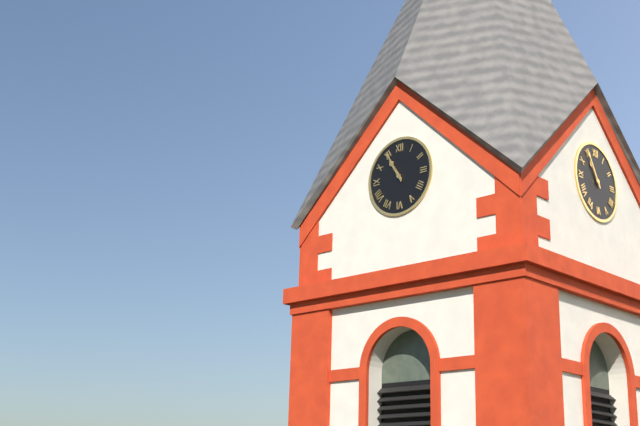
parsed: **10:55**
